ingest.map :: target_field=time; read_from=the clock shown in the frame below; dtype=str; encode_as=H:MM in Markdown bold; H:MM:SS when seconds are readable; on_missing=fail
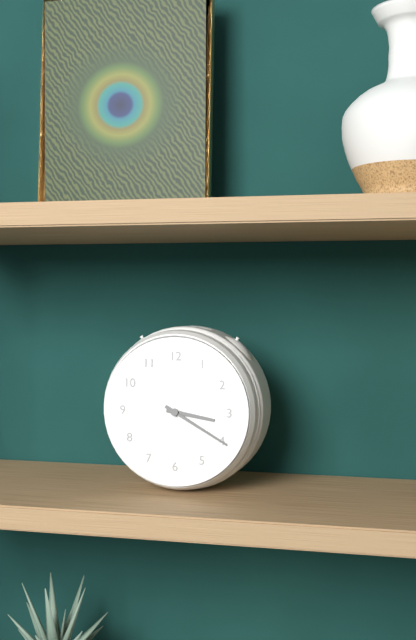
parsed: **3:20**
